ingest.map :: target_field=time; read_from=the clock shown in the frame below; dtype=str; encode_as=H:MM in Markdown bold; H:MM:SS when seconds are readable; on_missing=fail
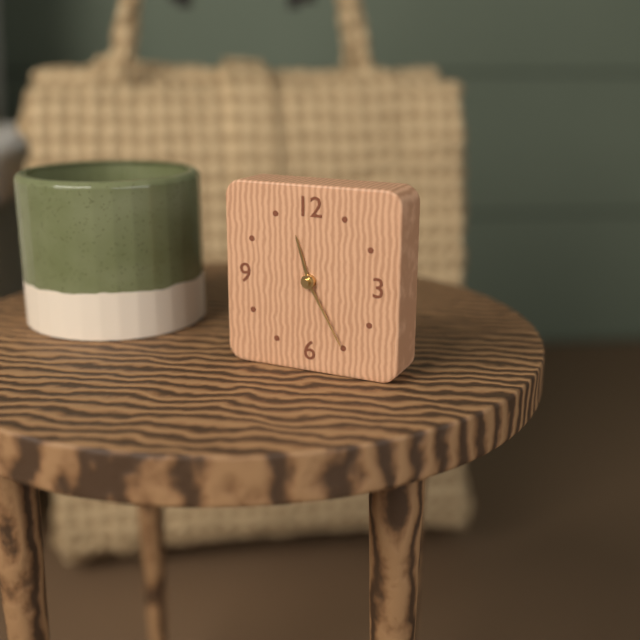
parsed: **11:25**
